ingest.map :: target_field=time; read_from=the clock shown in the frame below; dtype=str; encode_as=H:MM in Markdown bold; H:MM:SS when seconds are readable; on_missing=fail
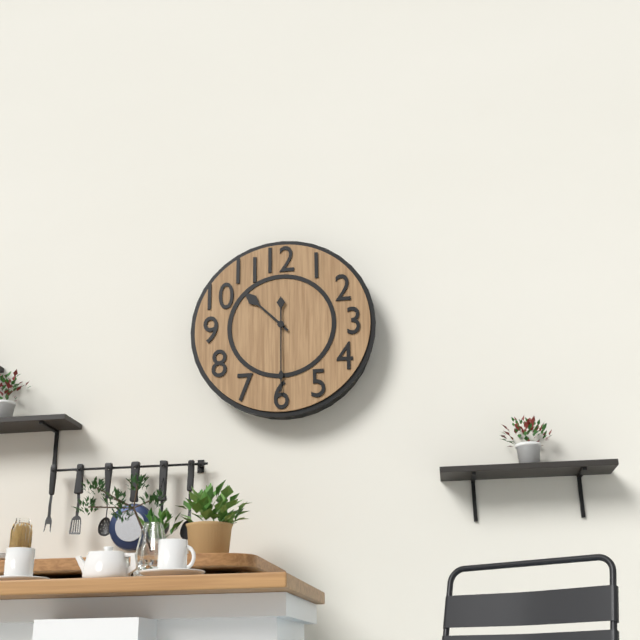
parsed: **10:30**
